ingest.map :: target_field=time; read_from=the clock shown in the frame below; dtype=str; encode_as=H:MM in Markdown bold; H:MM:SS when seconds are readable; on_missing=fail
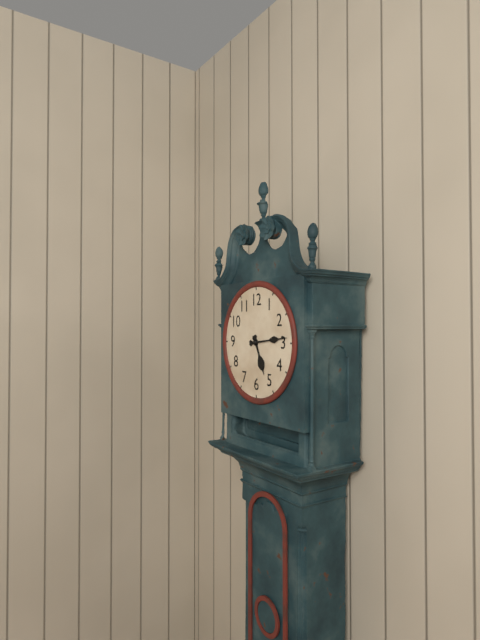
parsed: **5:14**
